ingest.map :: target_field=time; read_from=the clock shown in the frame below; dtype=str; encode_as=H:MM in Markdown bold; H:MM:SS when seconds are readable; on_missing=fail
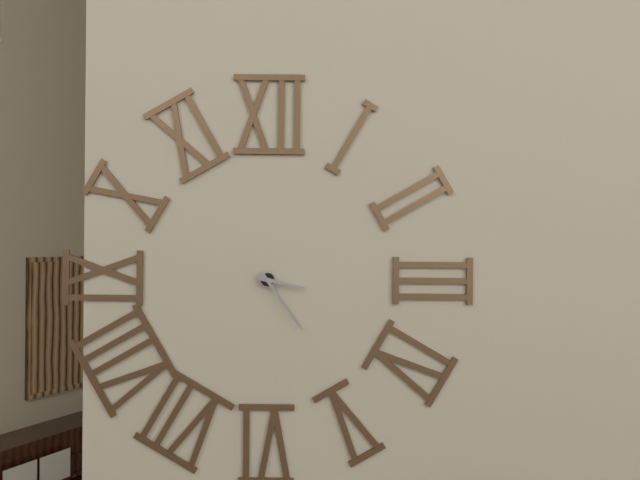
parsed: **3:24**
